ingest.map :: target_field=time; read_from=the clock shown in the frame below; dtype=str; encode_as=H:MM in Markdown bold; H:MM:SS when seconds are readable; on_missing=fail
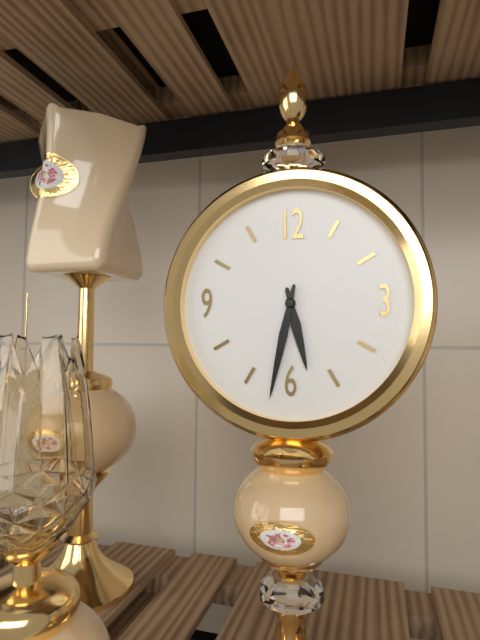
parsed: **5:32**
